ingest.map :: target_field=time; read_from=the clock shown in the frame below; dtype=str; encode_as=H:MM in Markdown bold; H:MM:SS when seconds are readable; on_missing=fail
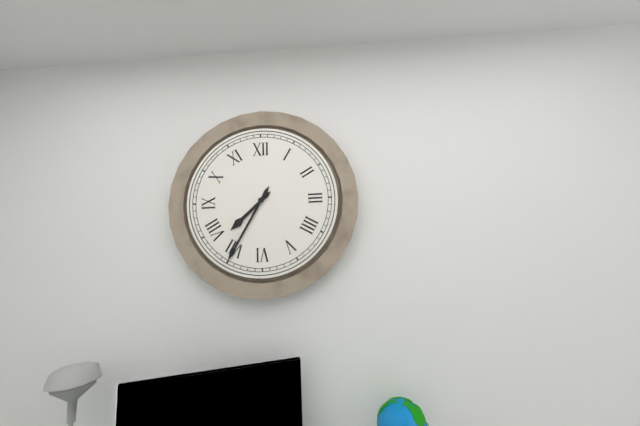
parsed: **7:35**
